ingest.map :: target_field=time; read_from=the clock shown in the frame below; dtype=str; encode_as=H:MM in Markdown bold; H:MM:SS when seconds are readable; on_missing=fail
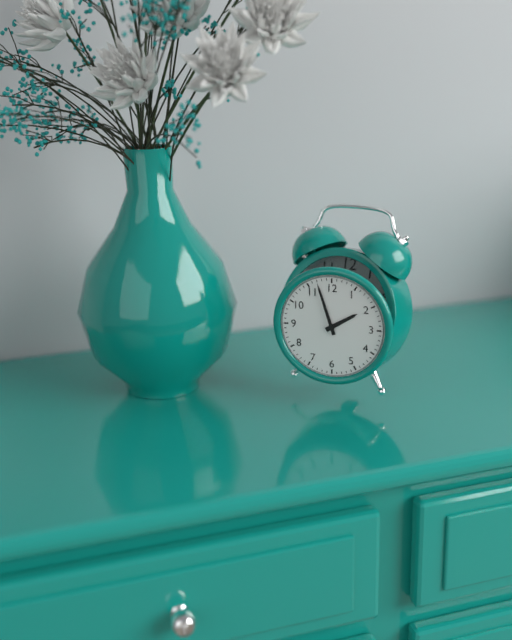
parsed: **1:57**
